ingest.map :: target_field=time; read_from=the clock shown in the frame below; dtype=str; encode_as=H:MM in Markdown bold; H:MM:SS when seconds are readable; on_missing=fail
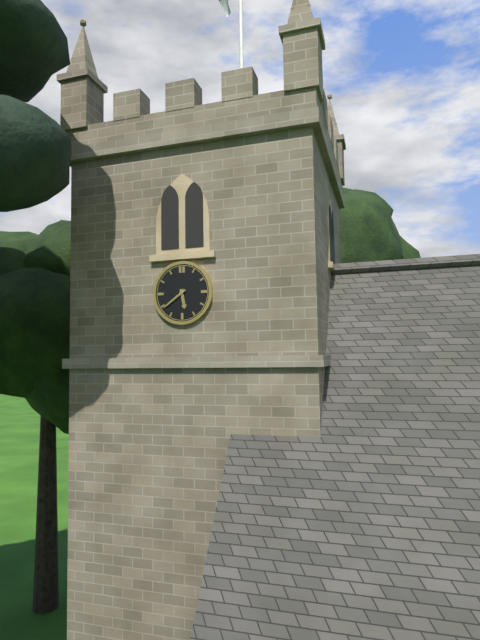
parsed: **5:39**
